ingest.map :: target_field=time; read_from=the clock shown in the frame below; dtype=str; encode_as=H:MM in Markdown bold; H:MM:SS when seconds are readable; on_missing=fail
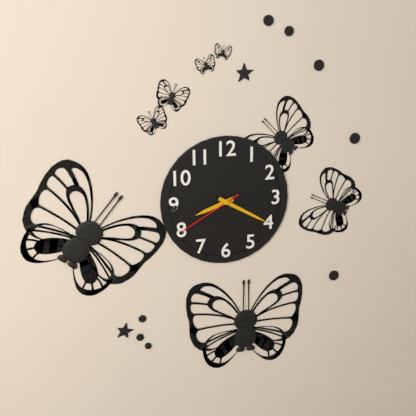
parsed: **8:20:40**
